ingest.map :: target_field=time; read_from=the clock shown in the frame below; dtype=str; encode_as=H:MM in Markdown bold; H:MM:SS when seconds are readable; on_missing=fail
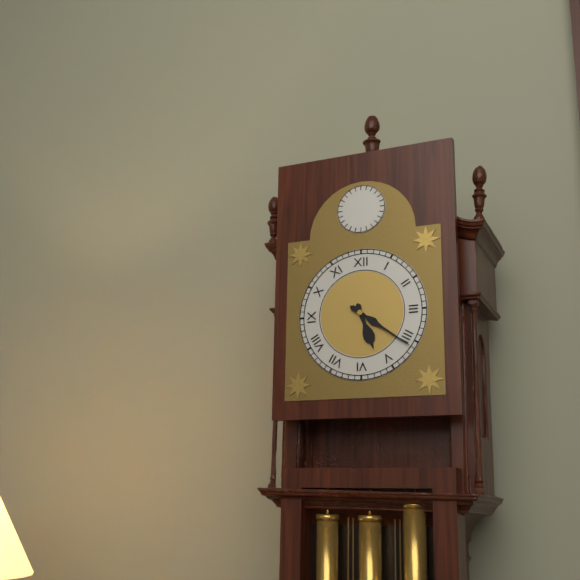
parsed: **5:21**
